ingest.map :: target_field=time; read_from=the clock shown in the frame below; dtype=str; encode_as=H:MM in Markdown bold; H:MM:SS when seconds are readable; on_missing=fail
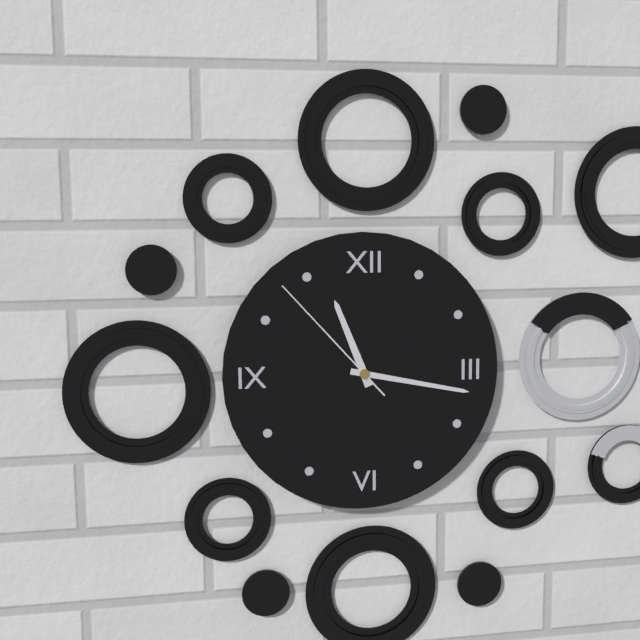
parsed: **11:17:53**
